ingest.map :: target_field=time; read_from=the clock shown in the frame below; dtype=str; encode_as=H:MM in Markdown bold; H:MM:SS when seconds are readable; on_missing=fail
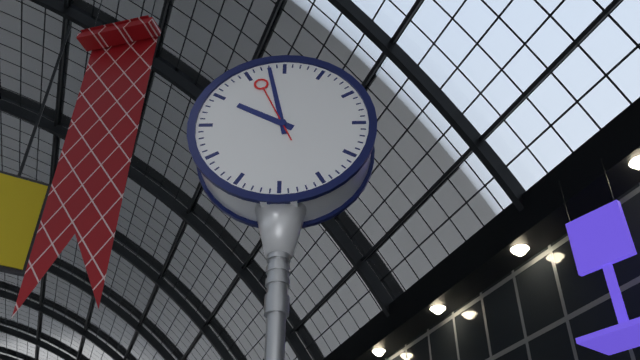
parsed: **9:58:56**
